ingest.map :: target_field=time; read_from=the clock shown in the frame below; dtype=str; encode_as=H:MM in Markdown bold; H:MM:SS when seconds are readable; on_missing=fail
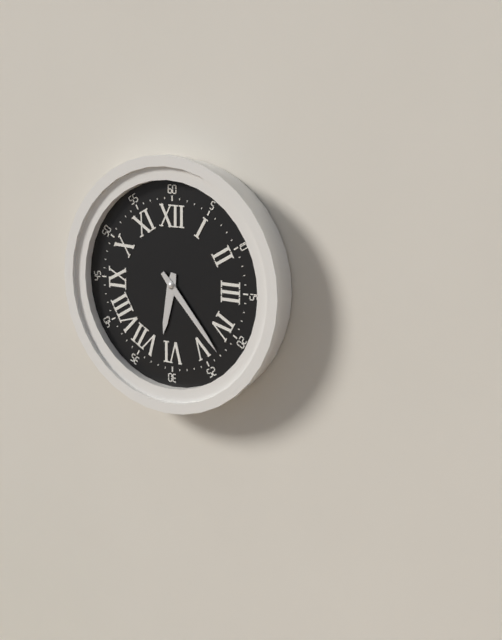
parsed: **6:23**
